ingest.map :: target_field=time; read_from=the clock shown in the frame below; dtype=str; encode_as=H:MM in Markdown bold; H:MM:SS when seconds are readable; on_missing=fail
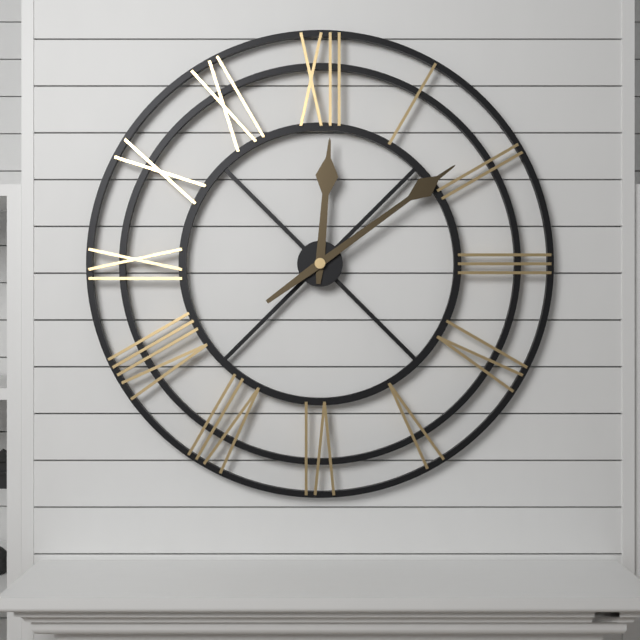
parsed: **12:09**
